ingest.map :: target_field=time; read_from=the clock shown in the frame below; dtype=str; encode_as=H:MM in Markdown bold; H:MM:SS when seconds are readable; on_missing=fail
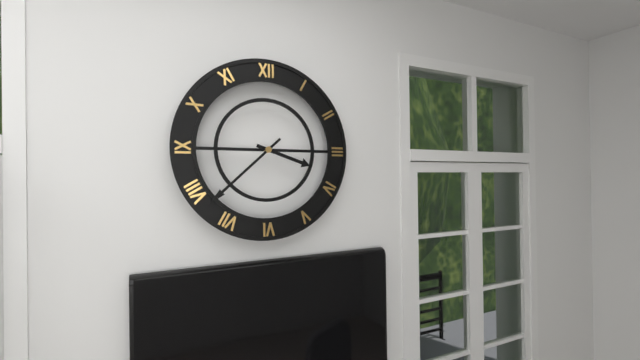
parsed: **3:38**
